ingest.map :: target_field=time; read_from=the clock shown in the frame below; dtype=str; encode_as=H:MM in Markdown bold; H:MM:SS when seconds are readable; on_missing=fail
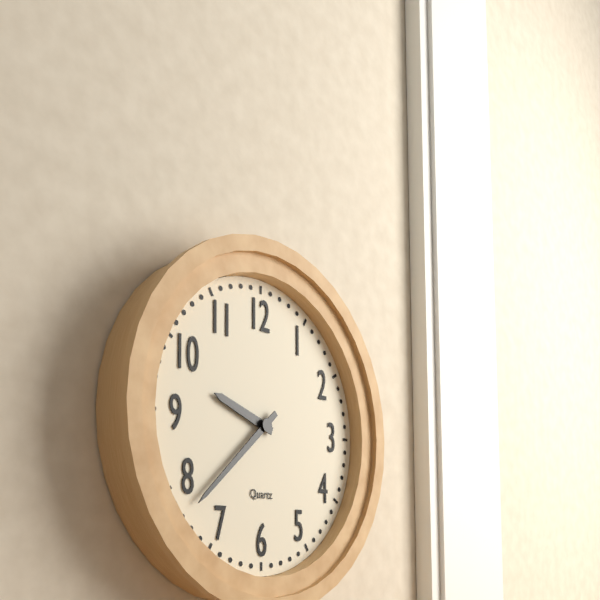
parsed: **9:38**
